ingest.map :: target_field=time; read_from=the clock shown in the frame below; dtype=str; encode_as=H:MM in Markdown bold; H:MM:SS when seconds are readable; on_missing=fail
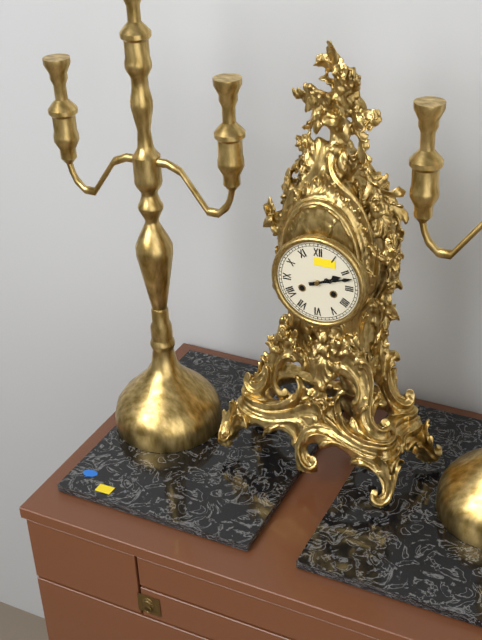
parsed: **2:12**
